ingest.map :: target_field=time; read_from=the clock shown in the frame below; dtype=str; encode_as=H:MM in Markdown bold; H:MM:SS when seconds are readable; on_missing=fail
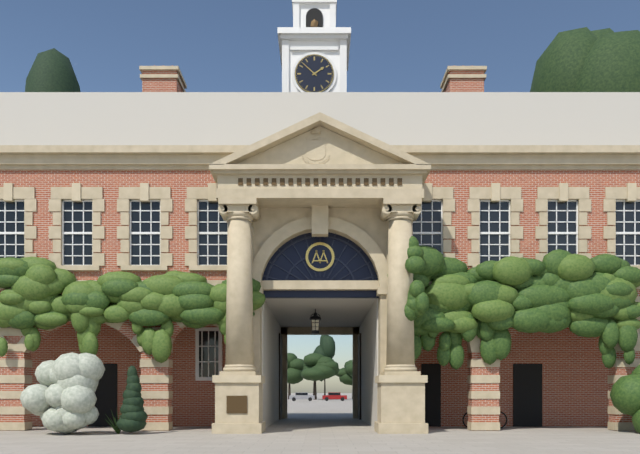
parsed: **1:52**
